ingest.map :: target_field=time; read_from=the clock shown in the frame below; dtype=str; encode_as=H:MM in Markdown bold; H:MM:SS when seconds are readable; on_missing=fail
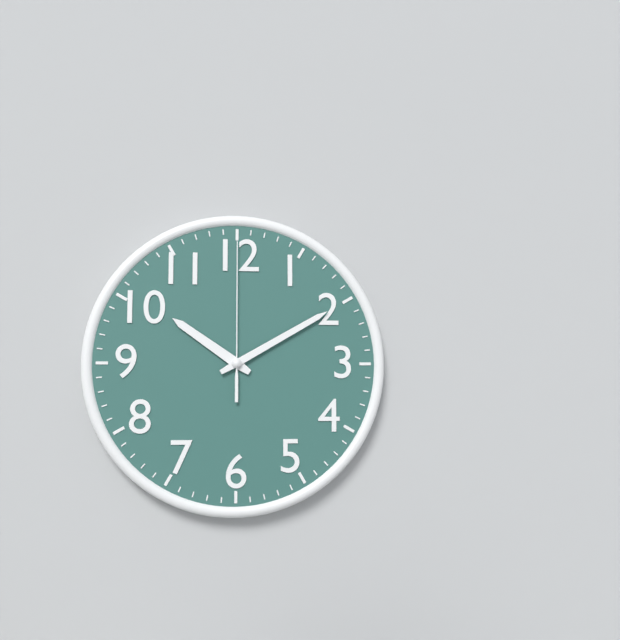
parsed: **10:10:00**
